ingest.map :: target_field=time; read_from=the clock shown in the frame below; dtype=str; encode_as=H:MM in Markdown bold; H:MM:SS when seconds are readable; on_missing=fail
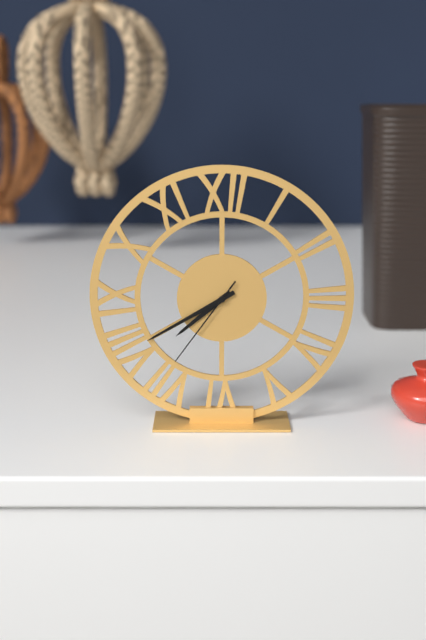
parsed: **7:40:36**
